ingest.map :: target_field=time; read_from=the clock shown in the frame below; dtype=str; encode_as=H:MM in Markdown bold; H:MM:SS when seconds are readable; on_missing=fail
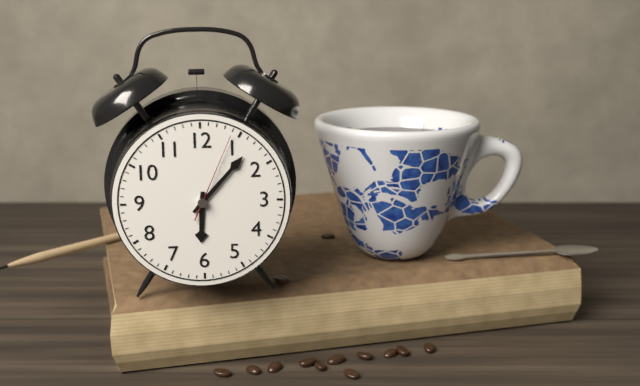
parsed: **6:07:04**
